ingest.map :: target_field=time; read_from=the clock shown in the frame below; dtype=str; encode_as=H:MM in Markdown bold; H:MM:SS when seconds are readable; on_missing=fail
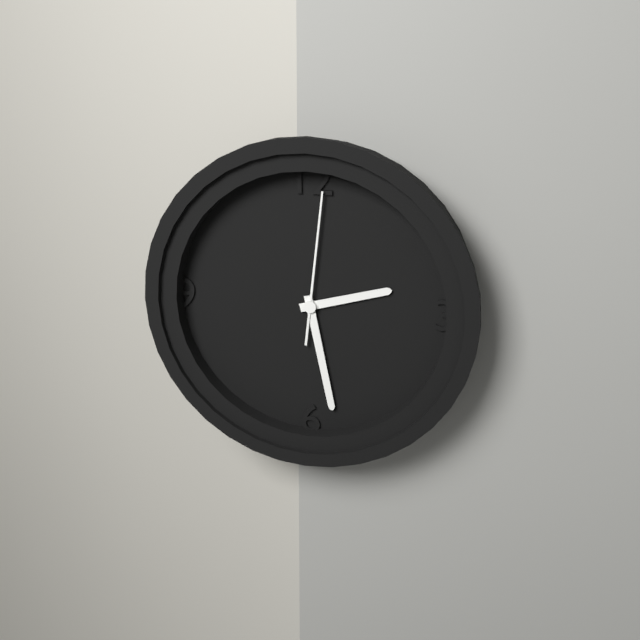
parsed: **2:28:01**
